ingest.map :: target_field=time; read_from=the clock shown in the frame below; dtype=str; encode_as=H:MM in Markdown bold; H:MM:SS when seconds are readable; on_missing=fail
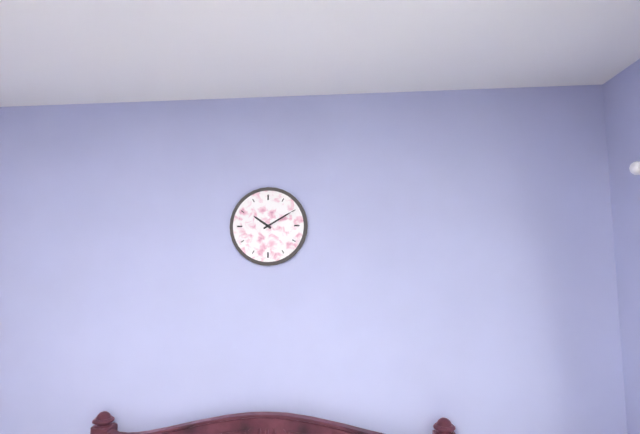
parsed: **10:10**
